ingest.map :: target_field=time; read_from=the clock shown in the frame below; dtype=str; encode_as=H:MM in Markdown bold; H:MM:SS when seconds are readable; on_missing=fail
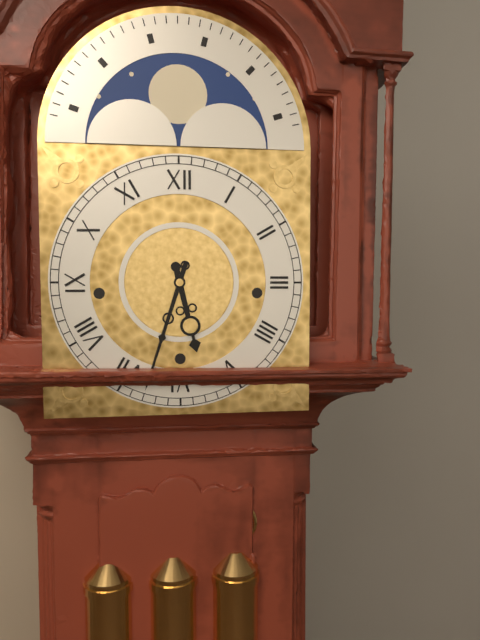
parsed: **5:33**
